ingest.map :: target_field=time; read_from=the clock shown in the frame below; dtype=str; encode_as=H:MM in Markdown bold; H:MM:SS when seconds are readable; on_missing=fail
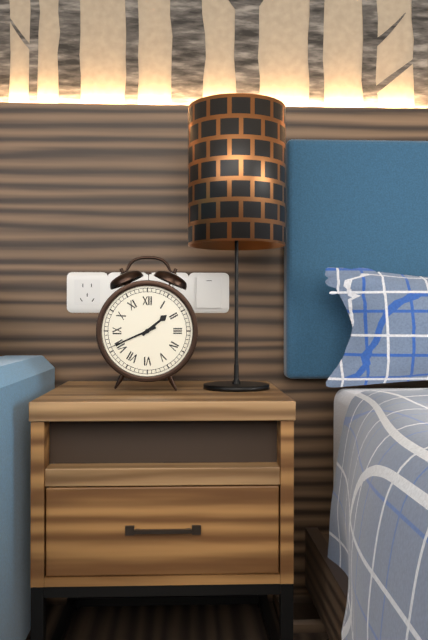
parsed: **1:41**
